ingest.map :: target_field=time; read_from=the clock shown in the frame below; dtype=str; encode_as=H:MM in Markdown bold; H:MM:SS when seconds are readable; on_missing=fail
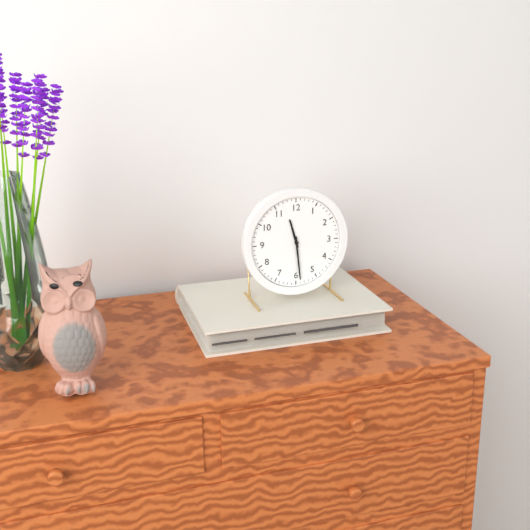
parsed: **11:29**
